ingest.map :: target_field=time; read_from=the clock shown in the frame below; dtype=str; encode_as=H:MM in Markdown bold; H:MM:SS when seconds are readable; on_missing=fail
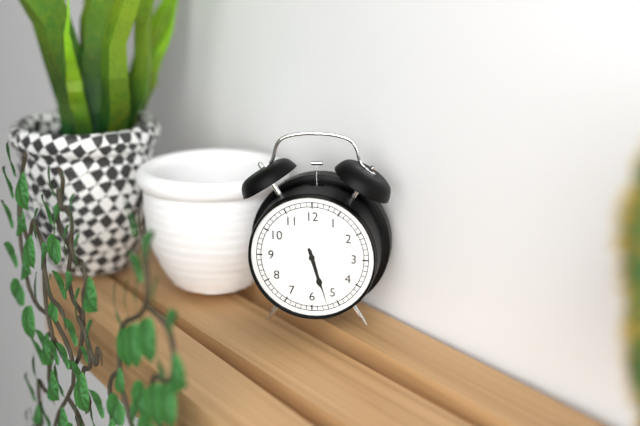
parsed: **5:27**
